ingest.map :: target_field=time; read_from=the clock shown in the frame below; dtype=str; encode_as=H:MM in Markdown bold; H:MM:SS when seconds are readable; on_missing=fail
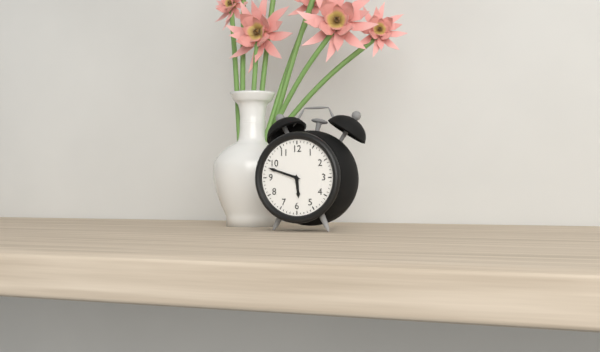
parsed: **5:48**
